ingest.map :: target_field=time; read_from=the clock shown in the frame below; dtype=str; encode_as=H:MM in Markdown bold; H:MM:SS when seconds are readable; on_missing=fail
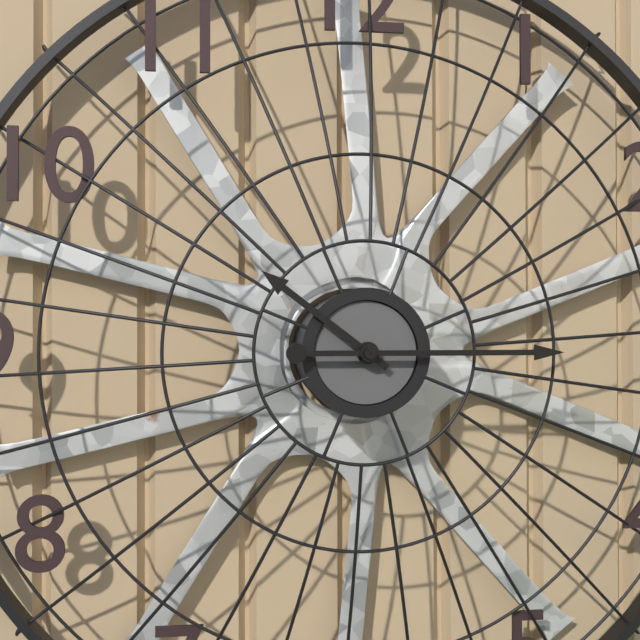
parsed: **10:15**
